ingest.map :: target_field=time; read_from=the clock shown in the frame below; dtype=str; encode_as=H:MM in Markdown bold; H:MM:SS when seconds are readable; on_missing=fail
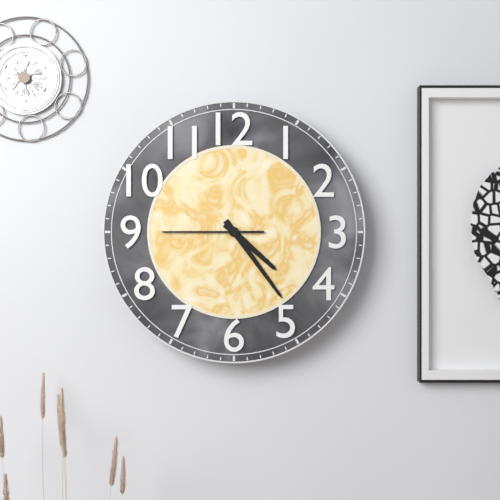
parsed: **4:24:45**
